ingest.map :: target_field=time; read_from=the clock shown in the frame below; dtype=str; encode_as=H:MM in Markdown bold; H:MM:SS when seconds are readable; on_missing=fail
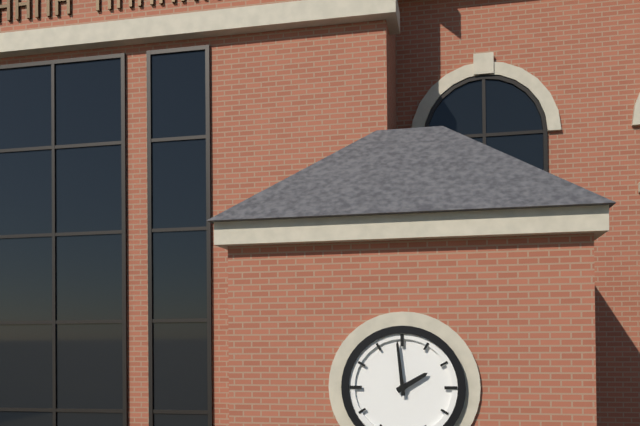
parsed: **1:59**
